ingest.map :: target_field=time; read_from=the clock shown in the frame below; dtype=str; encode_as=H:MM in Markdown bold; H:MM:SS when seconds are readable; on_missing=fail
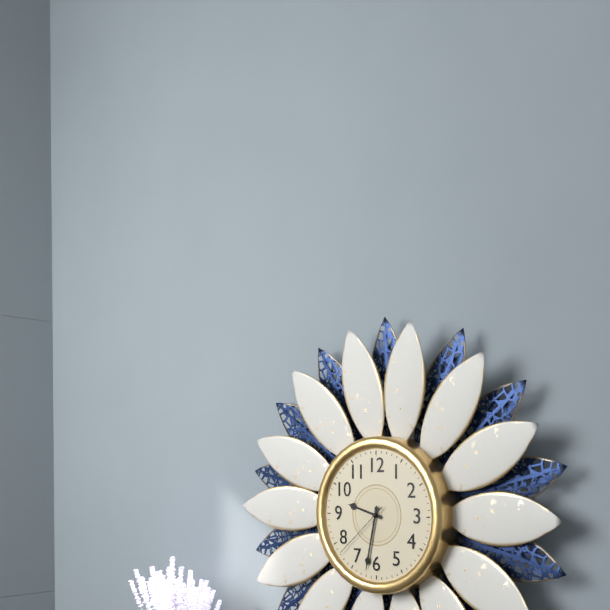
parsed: **9:32:38**
